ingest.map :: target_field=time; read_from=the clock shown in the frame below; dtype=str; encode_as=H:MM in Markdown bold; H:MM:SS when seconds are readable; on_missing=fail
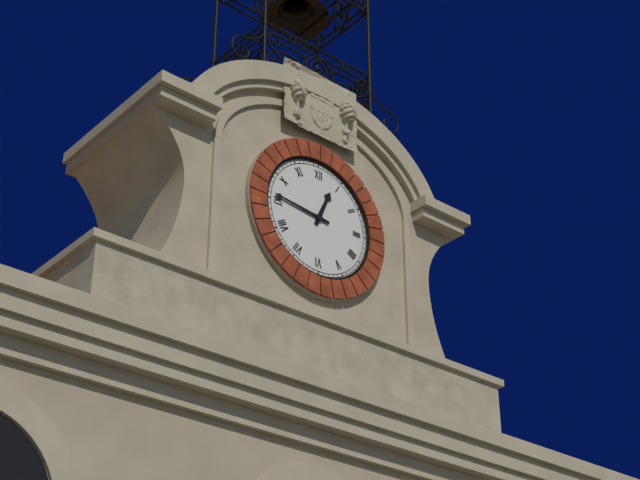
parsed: **12:46**
